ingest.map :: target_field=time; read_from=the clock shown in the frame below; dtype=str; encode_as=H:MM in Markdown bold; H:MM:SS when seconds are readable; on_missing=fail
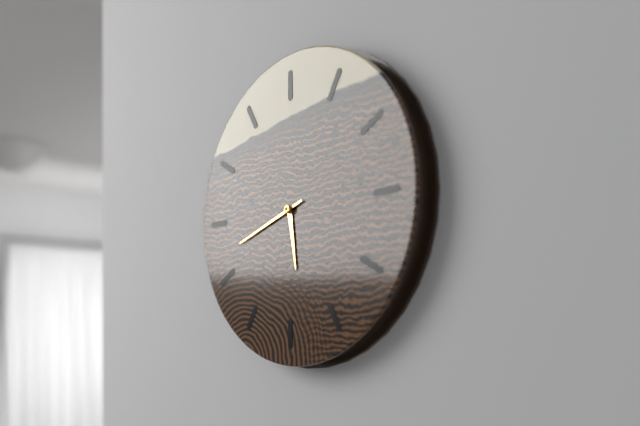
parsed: **5:42**
